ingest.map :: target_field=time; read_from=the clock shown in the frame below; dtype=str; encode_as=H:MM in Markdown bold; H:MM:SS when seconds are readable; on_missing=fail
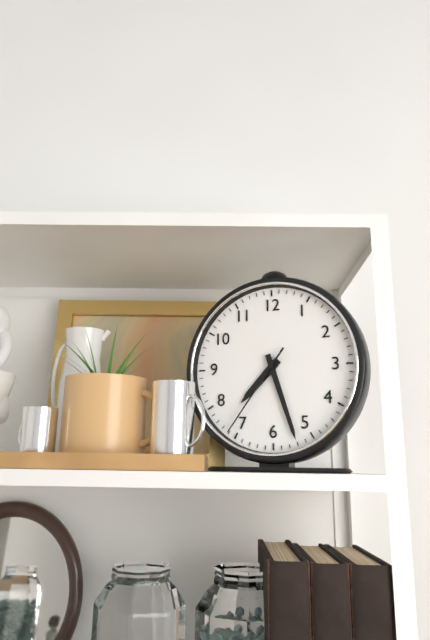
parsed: **7:27:36**
